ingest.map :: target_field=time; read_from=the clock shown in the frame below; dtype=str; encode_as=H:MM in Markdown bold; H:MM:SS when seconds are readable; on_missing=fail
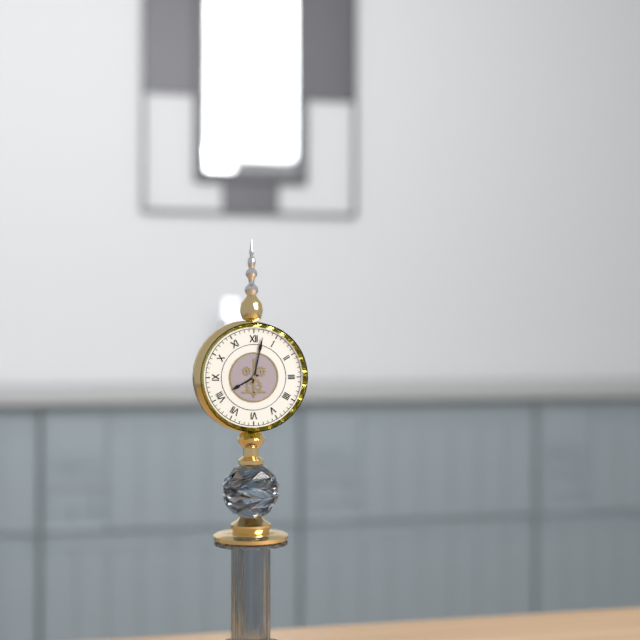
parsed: **8:02**
